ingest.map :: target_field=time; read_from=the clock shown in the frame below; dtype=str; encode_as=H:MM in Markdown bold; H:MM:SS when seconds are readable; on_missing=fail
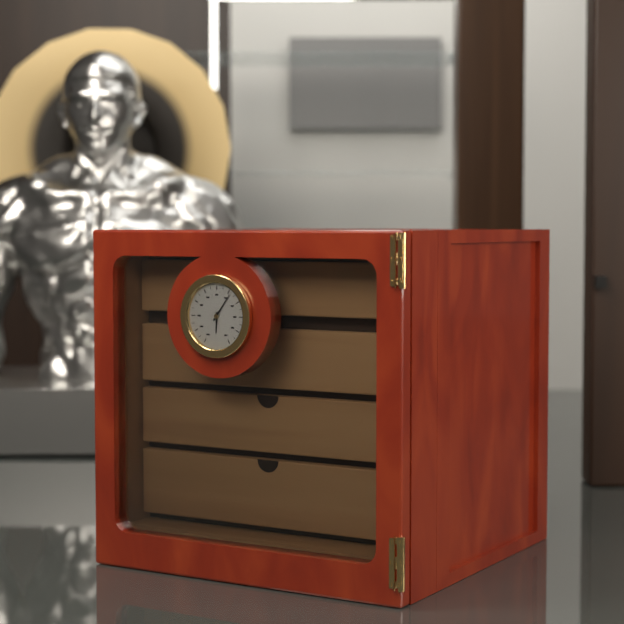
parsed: **6:06**
